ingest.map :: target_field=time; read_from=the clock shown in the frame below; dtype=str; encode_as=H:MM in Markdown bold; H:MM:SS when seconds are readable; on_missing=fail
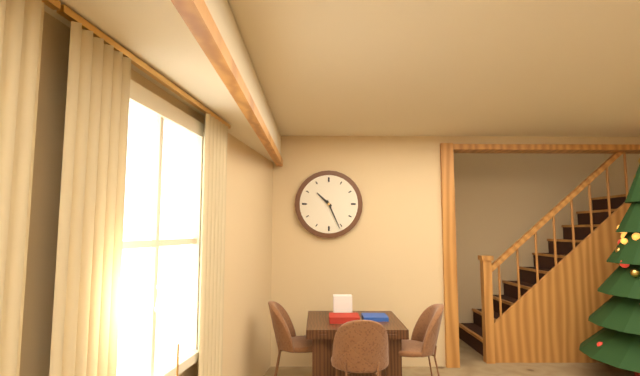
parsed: **10:26**
